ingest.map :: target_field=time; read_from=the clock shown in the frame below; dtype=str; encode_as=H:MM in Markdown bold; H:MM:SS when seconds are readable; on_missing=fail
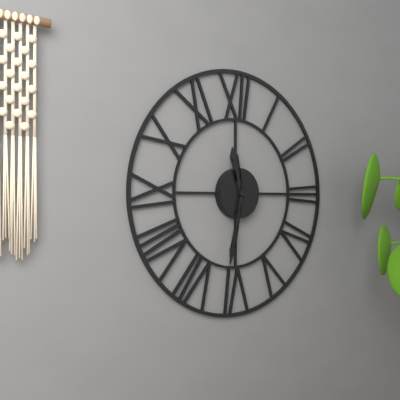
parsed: **11:32**
